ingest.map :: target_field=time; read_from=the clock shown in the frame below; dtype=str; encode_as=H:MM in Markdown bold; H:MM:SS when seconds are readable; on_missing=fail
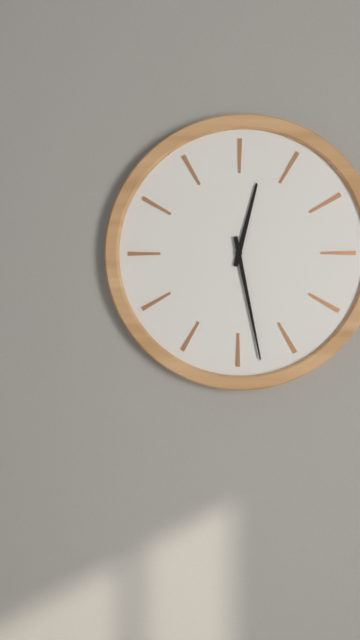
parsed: **12:28**
